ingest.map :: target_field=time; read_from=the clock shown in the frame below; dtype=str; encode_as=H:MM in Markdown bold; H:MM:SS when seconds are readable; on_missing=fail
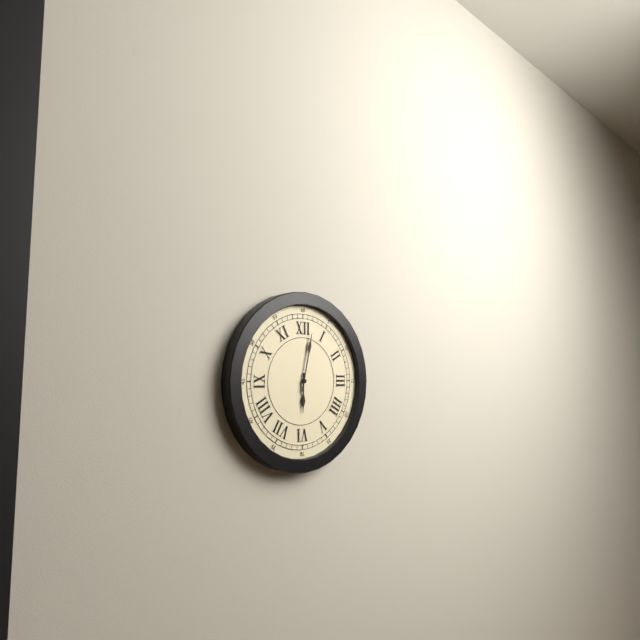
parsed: **6:02**
